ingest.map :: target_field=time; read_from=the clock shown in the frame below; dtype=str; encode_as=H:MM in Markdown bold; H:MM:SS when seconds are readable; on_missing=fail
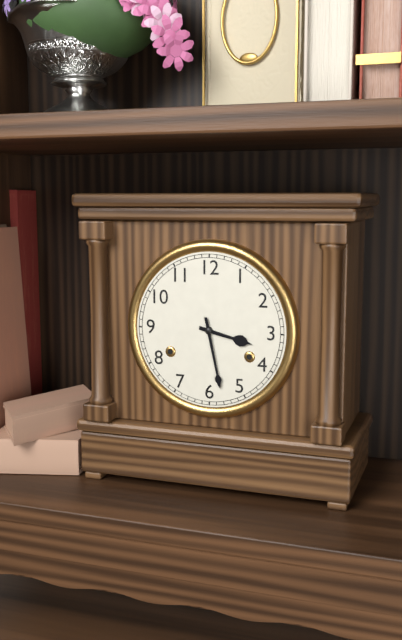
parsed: **3:28**
